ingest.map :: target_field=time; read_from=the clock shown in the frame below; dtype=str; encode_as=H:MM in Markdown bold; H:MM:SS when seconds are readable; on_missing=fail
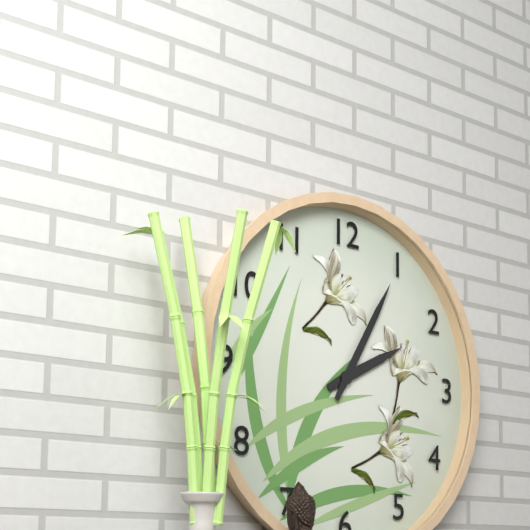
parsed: **2:05**
